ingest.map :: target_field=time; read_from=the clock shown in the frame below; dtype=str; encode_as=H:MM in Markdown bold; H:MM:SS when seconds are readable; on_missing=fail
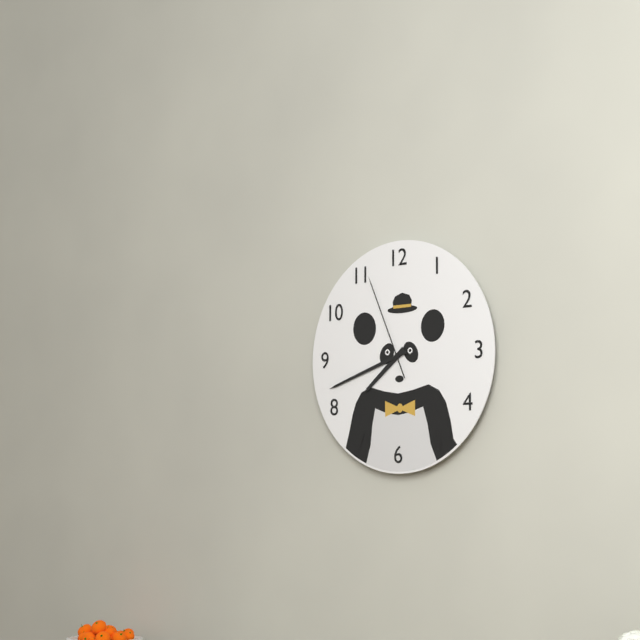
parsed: **7:42:56**
